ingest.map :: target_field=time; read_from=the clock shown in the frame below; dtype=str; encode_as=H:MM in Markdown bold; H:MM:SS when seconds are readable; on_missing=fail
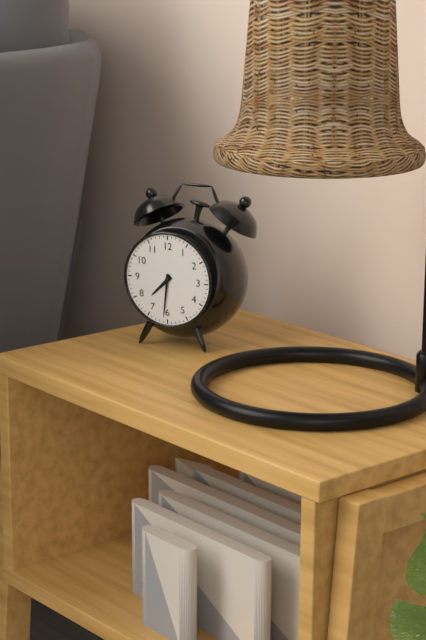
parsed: **7:31**
